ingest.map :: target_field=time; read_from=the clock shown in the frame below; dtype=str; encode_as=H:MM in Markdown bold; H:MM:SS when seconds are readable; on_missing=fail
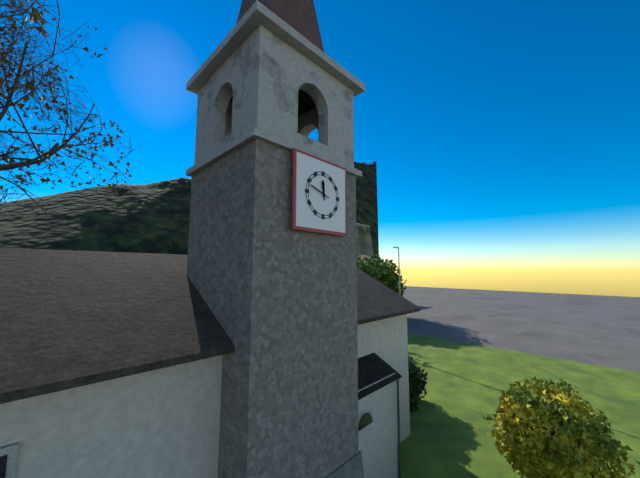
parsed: **11:48**
